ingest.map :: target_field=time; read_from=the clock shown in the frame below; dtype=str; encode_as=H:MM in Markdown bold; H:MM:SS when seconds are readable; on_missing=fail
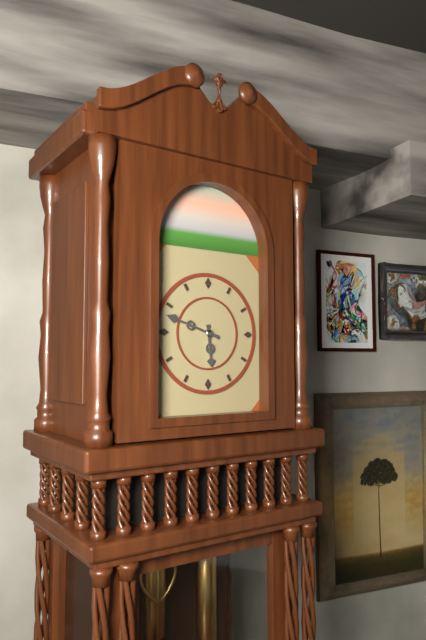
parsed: **5:48**
